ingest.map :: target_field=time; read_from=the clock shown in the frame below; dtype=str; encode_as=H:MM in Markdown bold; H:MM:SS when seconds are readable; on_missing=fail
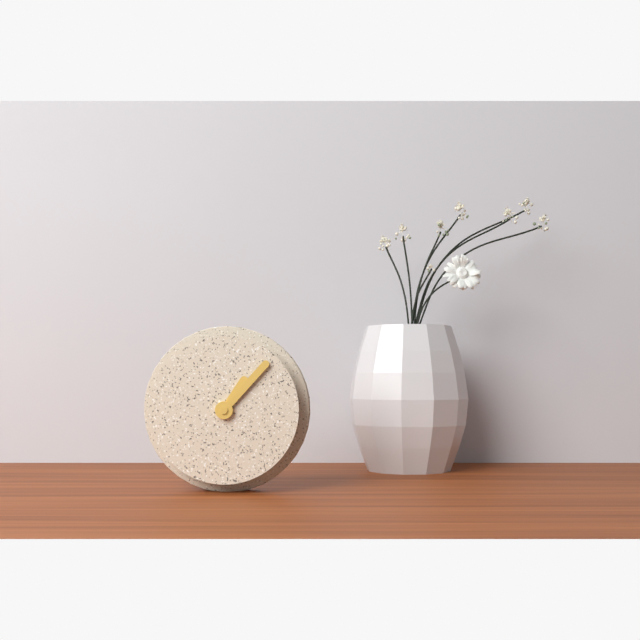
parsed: **1:07**
